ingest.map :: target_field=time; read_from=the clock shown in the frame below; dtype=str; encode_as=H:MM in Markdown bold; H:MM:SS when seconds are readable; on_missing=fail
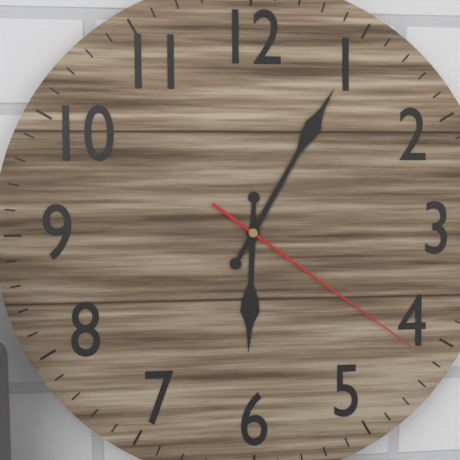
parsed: **6:05:21**
